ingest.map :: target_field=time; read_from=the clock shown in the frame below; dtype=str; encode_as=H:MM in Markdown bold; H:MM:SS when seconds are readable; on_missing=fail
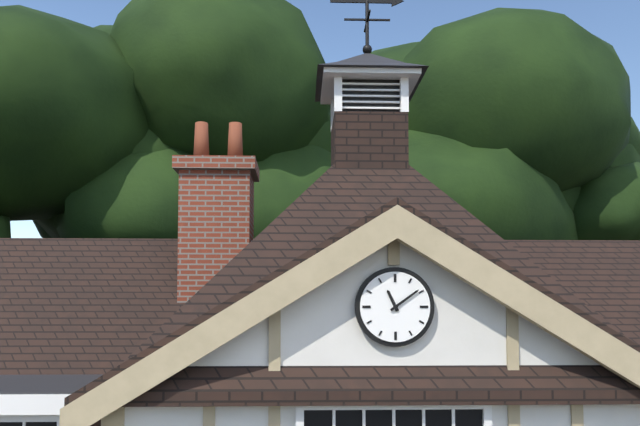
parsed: **11:09**
